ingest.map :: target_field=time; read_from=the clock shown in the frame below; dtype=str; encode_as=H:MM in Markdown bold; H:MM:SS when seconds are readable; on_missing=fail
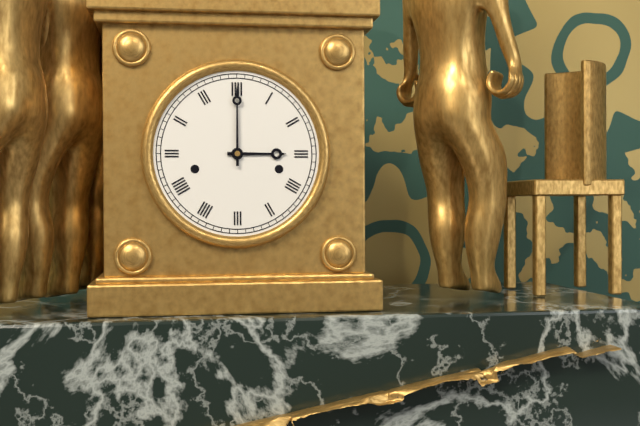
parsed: **3:00**
